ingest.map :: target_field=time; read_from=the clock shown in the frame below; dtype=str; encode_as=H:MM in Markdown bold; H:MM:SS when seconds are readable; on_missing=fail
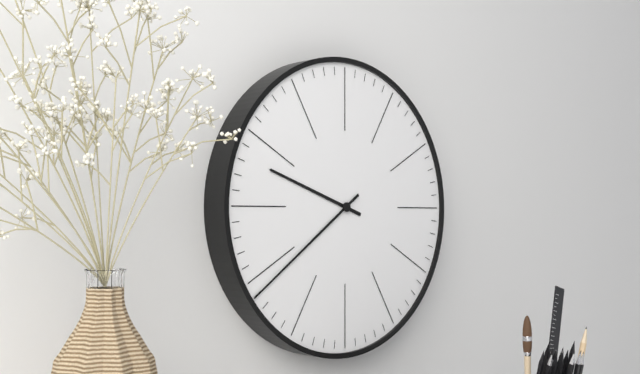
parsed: **9:39**
